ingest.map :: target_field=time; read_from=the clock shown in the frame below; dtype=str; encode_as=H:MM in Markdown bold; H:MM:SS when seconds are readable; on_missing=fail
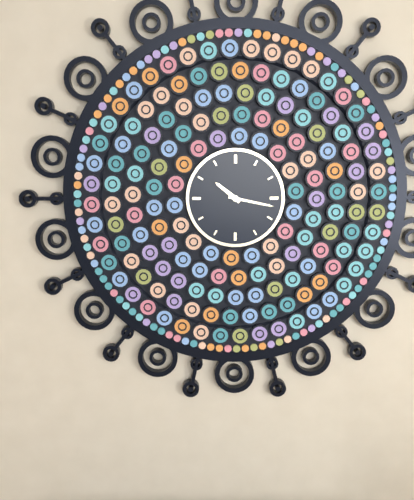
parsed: **10:17**
